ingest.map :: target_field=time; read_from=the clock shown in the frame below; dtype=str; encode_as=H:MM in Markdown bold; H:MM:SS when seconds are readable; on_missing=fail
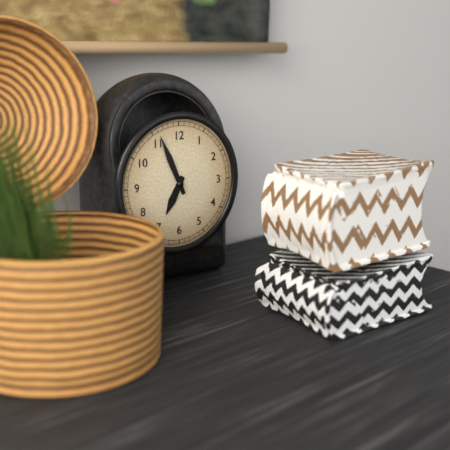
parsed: **6:56**
